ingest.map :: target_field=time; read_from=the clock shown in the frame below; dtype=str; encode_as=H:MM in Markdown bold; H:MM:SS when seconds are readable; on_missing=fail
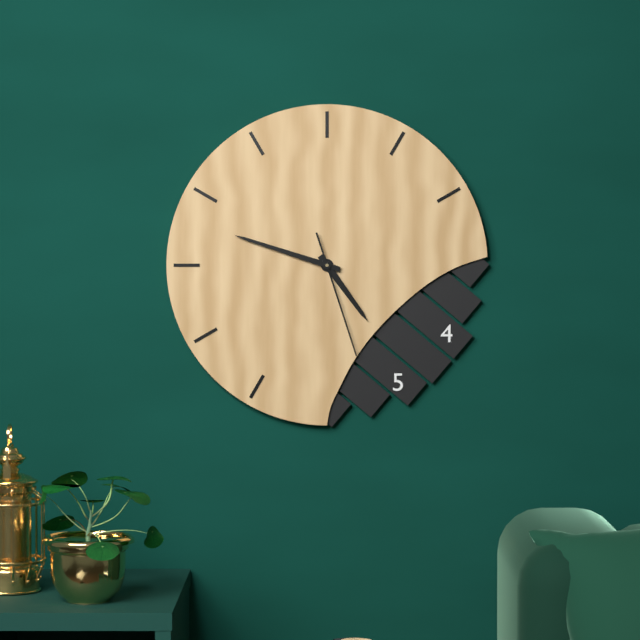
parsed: **4:48:27**
